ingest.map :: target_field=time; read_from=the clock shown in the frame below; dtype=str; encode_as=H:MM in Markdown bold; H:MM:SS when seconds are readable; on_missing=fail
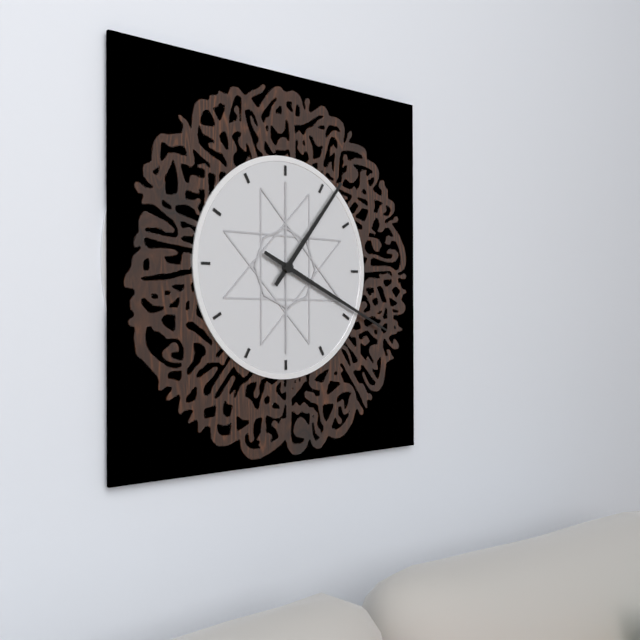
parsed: **1:19**
